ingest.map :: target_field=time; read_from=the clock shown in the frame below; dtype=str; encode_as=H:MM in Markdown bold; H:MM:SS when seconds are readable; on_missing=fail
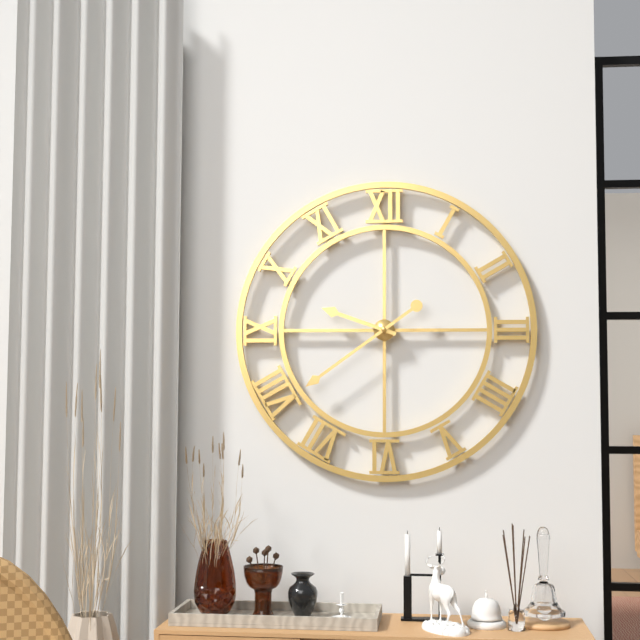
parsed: **9:39**
